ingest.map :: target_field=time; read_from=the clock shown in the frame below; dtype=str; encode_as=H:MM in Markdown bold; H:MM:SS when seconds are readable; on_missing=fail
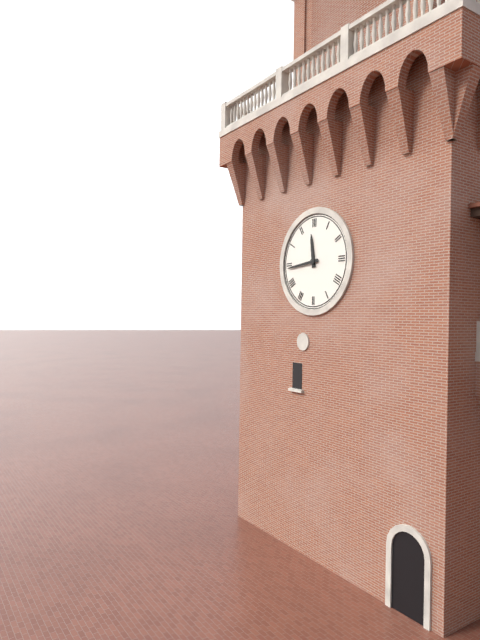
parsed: **11:44**
